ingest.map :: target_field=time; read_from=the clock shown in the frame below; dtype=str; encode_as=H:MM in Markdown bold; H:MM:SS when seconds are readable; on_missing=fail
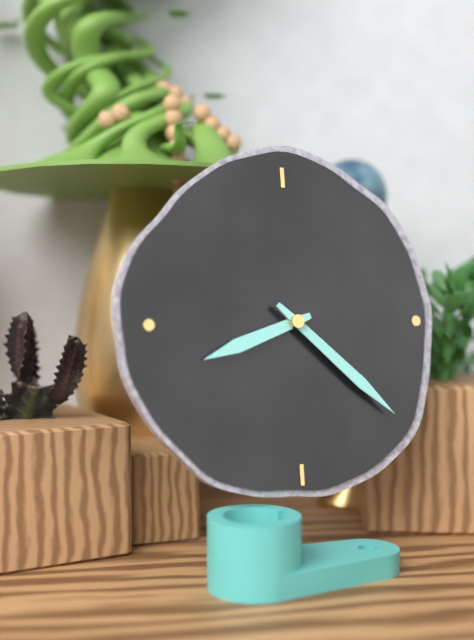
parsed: **8:22**
